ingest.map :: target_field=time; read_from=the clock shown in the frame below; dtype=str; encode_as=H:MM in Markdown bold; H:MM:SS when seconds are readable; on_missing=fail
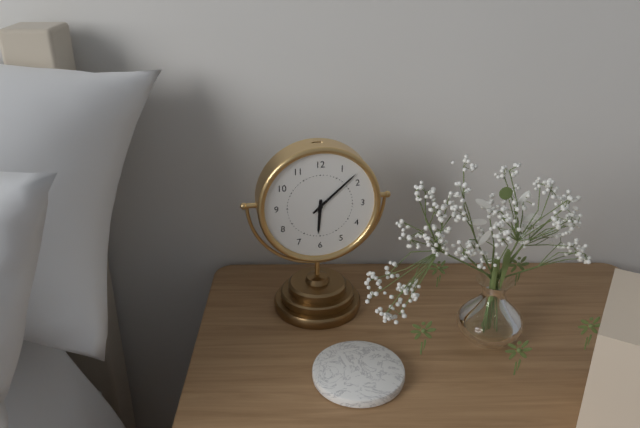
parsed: **6:08**
